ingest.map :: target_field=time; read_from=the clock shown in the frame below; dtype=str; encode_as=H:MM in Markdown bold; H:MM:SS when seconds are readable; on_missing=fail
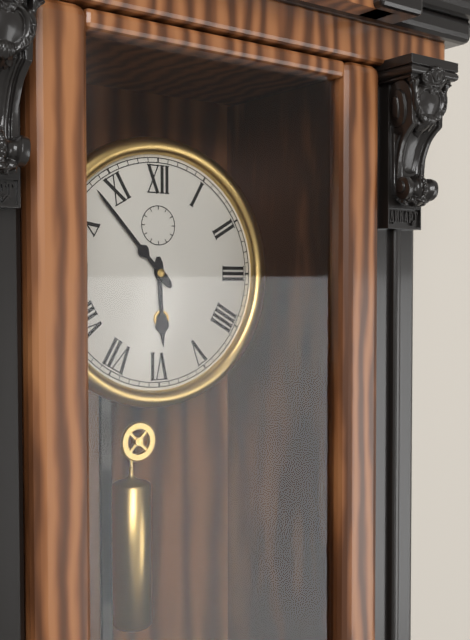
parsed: **5:53**
